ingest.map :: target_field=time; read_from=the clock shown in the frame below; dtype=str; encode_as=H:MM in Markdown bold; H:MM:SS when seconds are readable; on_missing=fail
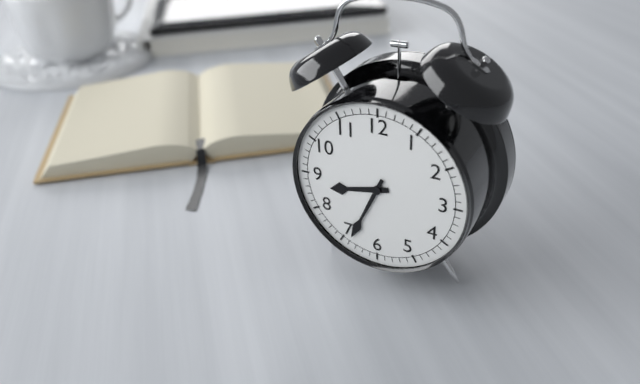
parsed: **8:34**
